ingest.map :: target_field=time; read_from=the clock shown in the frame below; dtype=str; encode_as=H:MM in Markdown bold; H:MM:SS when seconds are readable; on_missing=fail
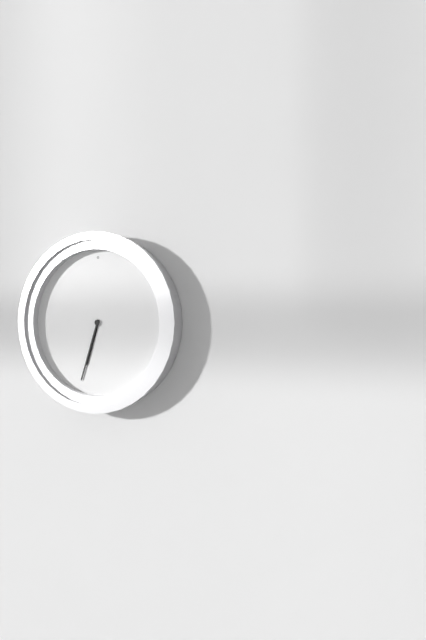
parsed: **6:33**
